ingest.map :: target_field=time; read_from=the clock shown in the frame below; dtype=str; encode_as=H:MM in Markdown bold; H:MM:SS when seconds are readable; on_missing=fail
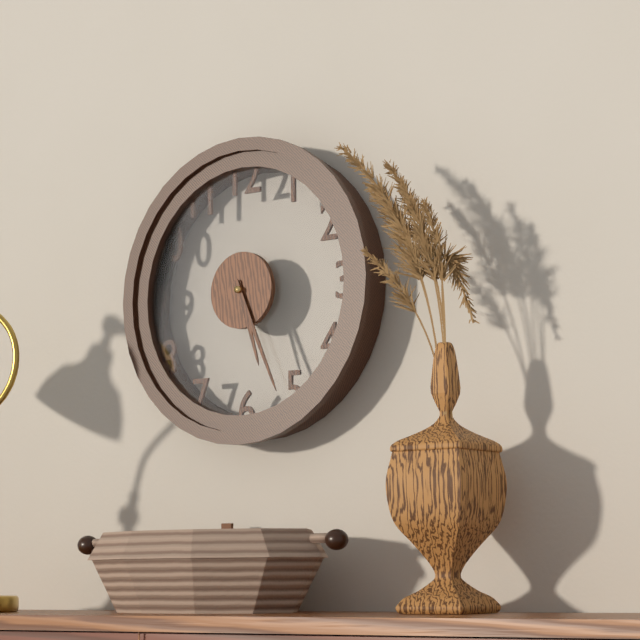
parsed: **5:26**
